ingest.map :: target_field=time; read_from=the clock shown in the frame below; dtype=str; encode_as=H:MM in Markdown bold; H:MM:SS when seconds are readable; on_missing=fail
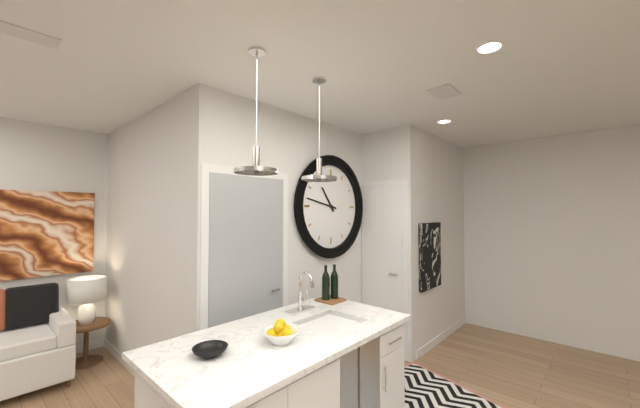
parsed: **10:47**
